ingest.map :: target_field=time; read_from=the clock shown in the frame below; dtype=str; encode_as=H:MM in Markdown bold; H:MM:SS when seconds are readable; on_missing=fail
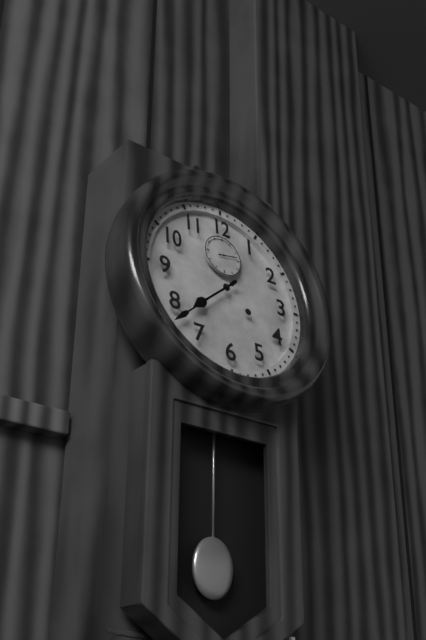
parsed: **7:38**
